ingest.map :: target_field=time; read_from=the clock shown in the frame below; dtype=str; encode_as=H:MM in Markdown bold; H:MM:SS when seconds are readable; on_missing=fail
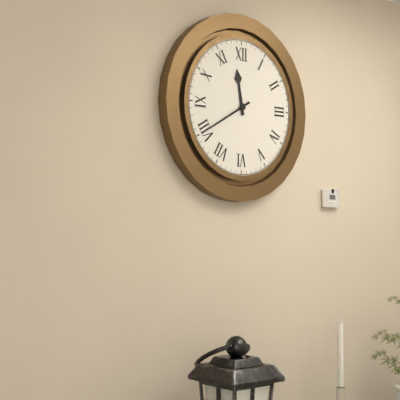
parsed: **11:40**
